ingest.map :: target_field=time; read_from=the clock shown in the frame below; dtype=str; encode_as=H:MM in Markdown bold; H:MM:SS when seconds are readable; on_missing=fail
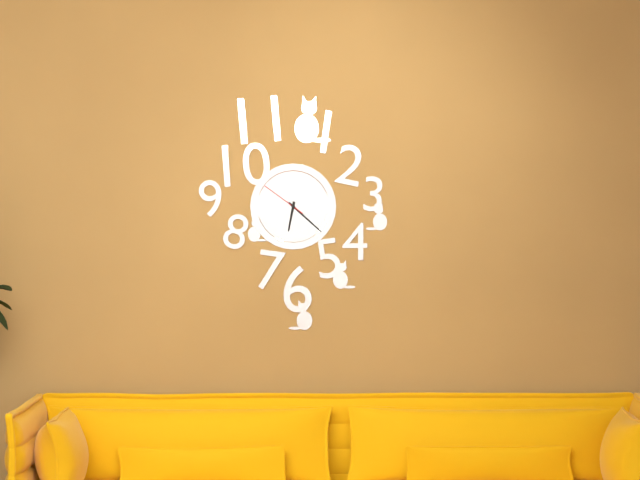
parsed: **6:22**
